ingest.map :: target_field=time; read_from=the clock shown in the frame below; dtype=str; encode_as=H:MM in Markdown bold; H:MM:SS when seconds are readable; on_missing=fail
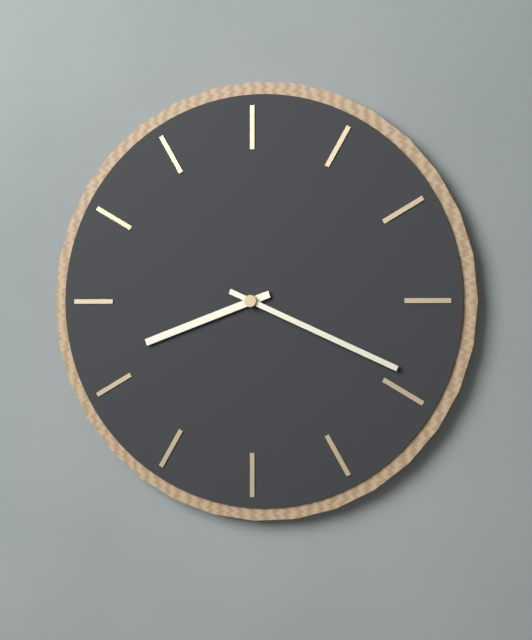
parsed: **8:19**
